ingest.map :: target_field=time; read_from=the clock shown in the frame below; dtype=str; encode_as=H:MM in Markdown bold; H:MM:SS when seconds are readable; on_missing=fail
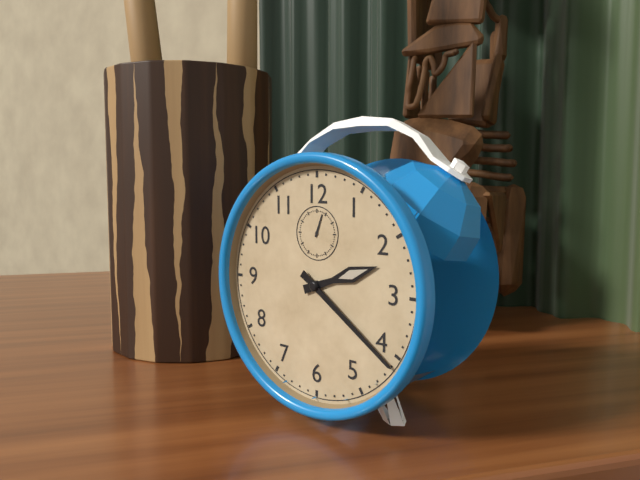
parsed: **2:21**
